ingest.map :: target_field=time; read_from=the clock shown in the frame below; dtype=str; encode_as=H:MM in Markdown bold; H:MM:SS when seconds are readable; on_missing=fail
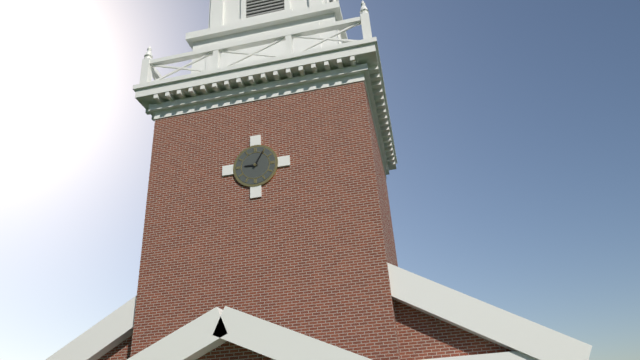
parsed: **9:05**
